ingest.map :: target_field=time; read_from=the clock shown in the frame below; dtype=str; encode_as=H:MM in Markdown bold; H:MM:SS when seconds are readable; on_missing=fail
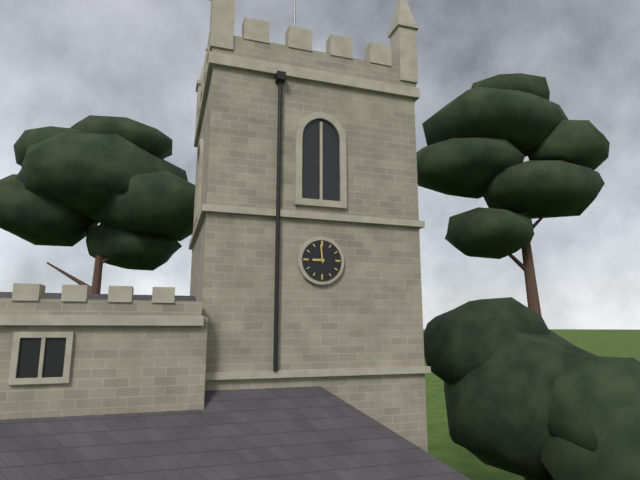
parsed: **8:59**
